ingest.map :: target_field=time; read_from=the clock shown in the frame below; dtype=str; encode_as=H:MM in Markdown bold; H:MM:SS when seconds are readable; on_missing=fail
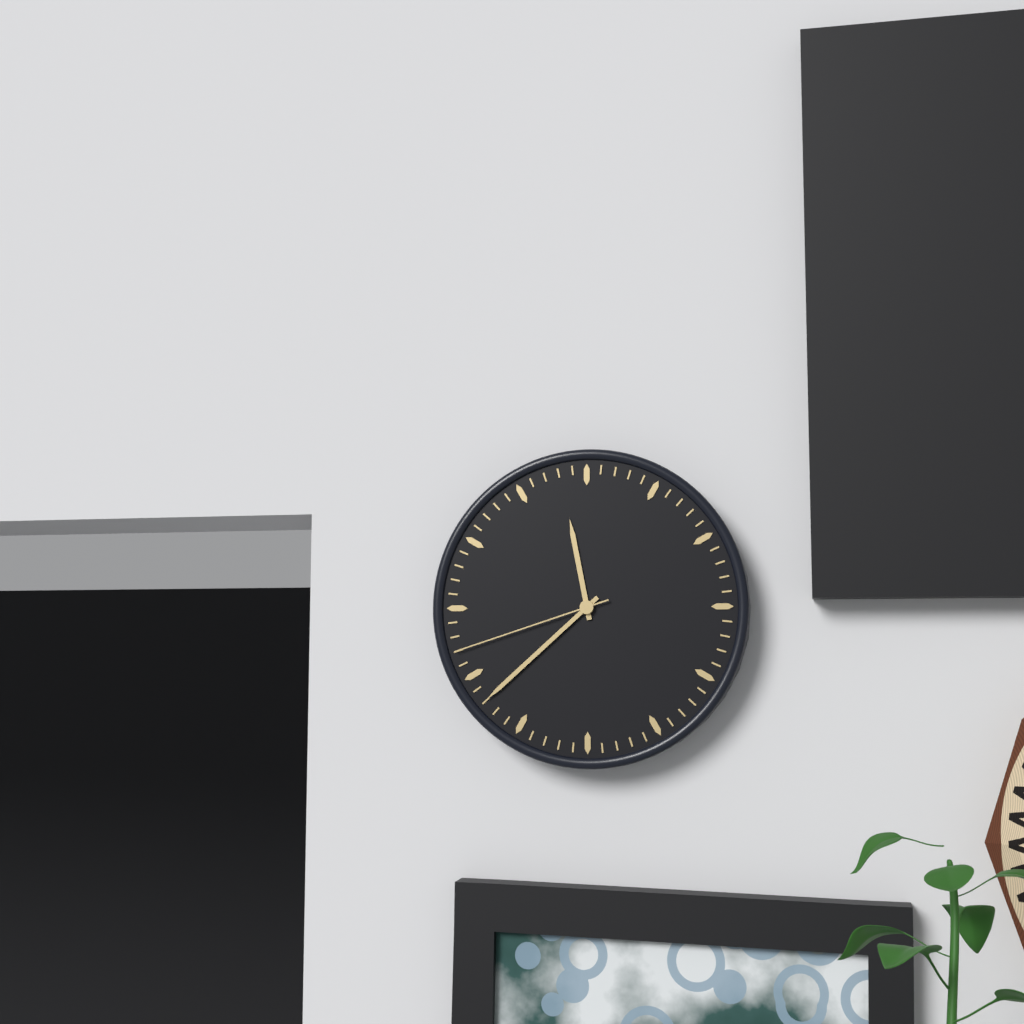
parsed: **11:38:42**
